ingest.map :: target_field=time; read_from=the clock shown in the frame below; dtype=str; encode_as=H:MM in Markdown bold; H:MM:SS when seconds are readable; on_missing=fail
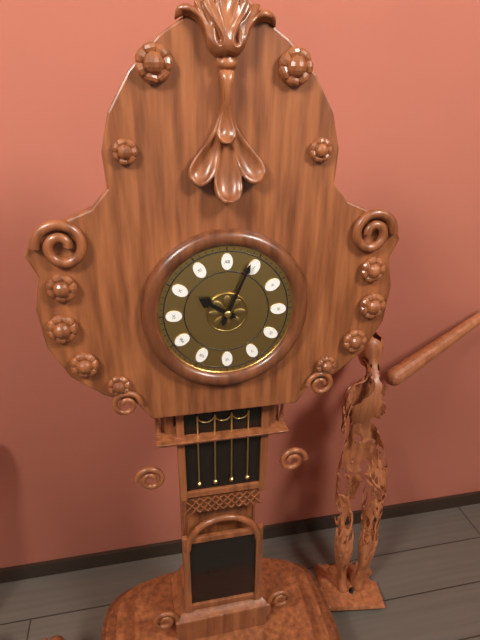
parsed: **10:04**
